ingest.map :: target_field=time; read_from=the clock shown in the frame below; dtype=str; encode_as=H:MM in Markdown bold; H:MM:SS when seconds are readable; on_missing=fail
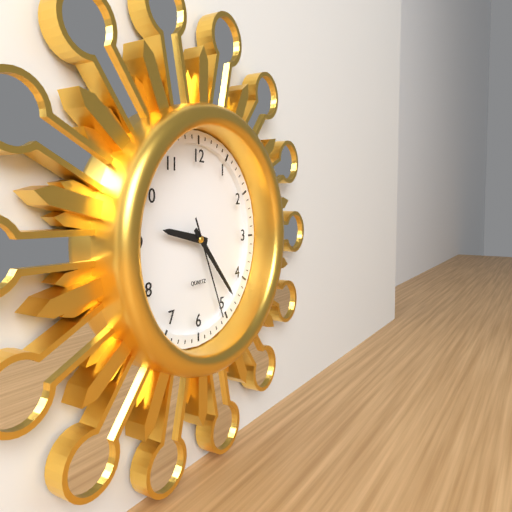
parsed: **9:23:26**
